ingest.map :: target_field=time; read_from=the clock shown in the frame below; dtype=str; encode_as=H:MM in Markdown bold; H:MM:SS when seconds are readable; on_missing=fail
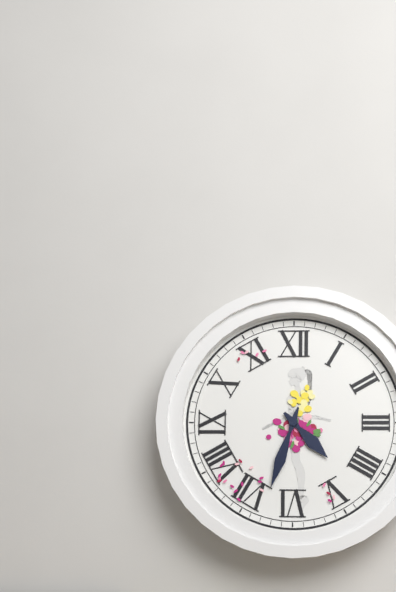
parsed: **4:33**
